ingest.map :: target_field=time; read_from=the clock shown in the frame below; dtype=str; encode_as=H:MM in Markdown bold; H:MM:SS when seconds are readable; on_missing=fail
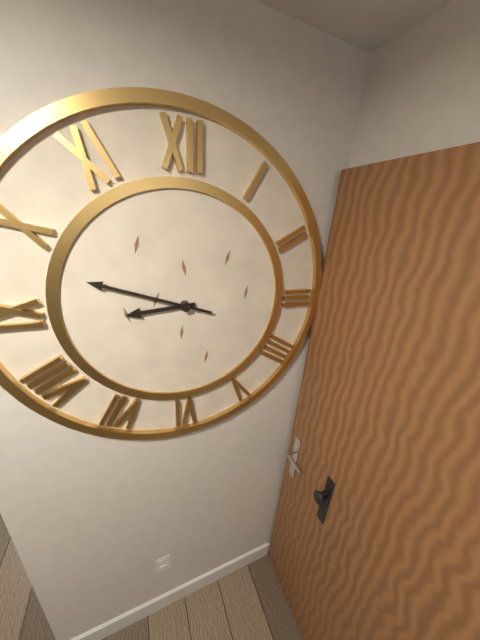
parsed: **8:48**
